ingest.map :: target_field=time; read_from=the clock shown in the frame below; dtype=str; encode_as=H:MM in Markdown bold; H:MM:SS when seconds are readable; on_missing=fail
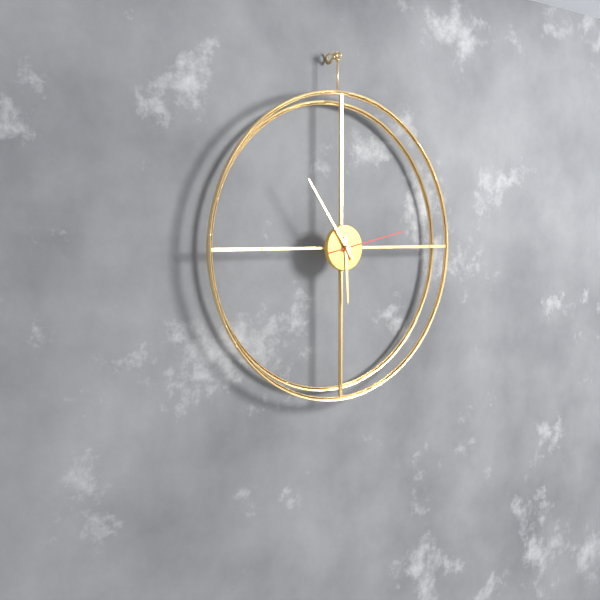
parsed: **5:54:13**
